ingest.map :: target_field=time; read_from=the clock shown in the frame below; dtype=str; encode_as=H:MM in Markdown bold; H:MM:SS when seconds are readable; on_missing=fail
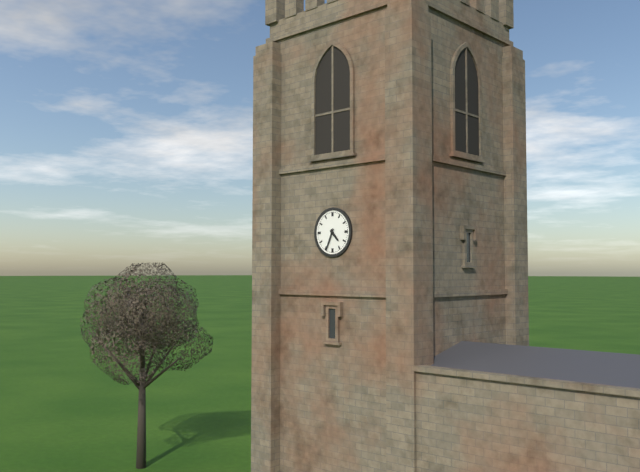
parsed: **4:34**
